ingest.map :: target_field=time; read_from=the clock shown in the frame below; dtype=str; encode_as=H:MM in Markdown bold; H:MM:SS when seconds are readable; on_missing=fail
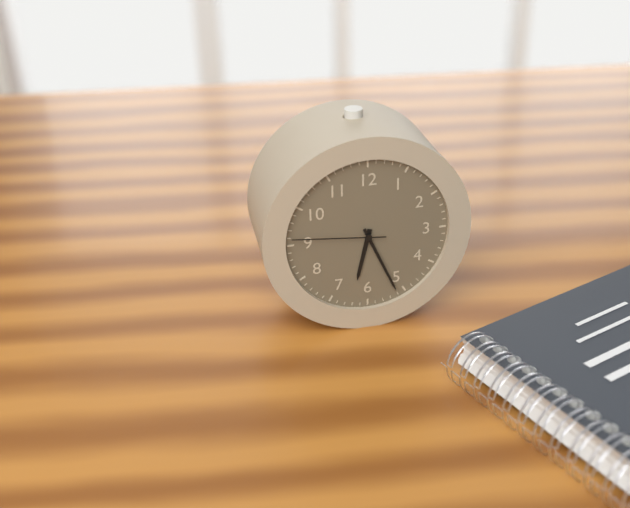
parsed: **6:26:46**
